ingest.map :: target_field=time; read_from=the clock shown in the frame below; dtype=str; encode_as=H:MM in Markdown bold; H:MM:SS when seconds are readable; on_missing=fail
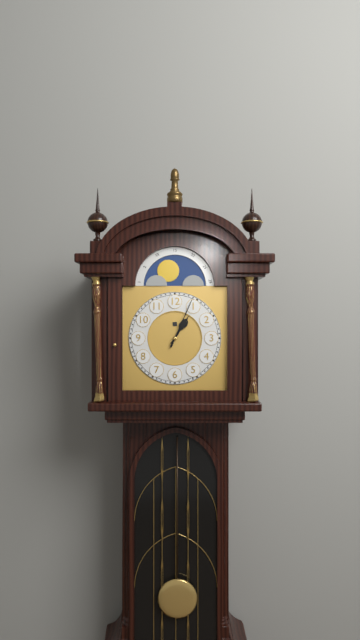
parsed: **1:04**
